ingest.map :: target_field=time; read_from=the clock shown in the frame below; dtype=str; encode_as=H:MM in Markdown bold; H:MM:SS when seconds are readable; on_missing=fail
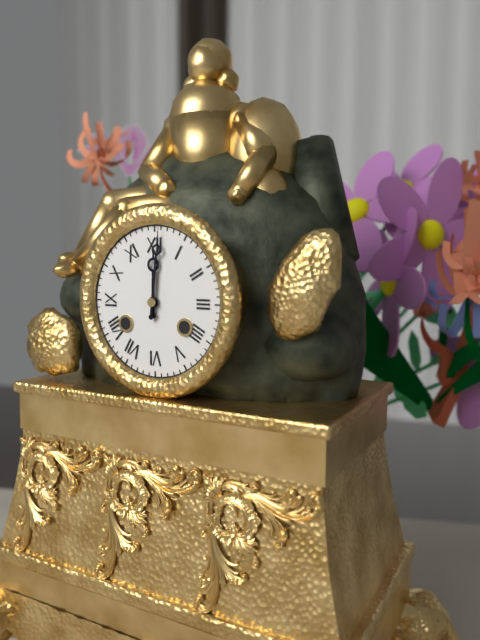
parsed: **12:01**
